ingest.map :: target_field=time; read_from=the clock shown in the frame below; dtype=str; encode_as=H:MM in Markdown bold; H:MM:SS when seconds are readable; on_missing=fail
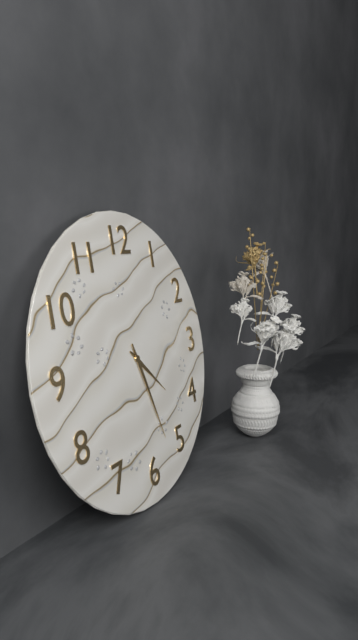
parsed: **4:27**
